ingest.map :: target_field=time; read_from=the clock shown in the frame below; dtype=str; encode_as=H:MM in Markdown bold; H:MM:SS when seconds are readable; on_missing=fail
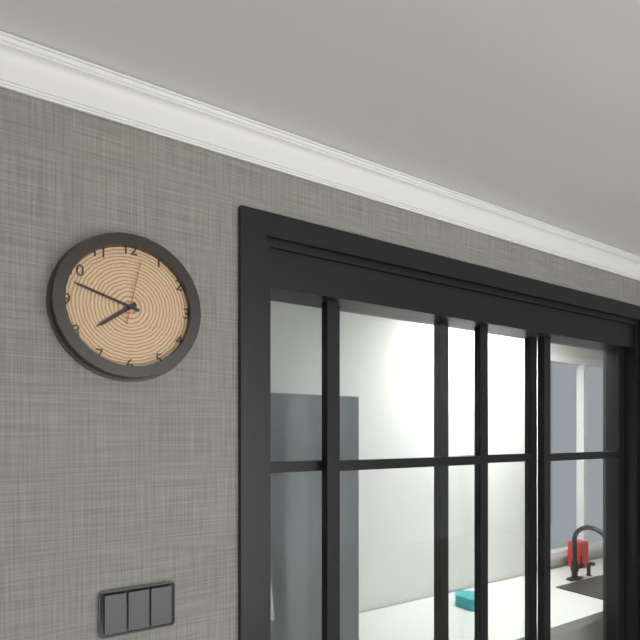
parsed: **7:48:02**
